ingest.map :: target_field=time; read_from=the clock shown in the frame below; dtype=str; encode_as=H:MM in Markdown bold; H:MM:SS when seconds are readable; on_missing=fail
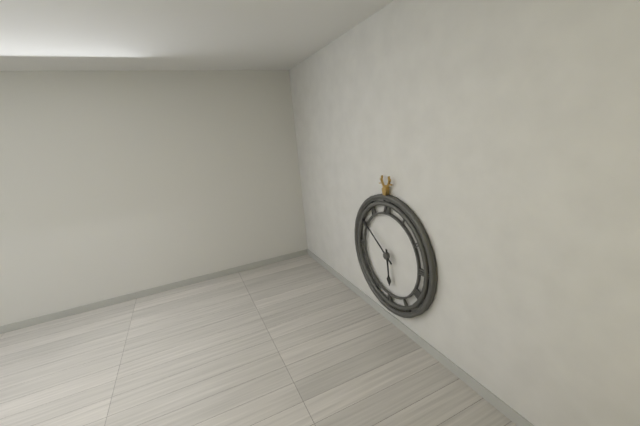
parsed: **5:51**
